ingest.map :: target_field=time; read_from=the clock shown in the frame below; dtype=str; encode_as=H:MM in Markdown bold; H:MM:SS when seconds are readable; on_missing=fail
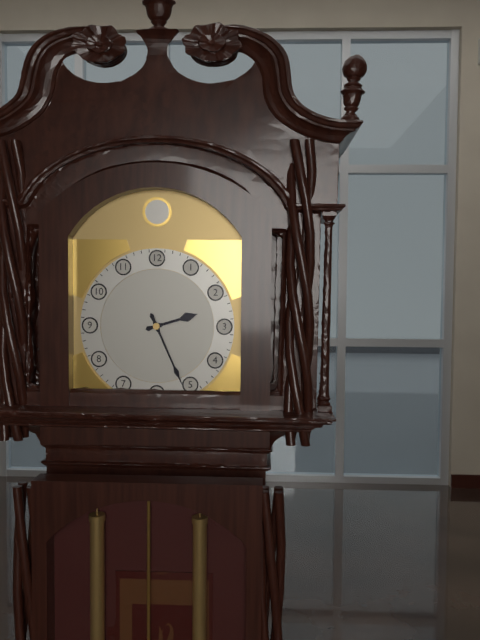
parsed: **2:26**
